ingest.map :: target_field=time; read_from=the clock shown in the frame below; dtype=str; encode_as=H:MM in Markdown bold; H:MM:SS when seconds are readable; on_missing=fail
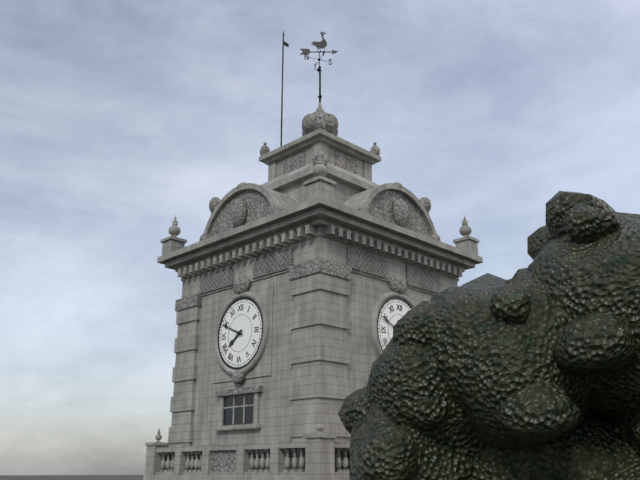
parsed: **7:49**
